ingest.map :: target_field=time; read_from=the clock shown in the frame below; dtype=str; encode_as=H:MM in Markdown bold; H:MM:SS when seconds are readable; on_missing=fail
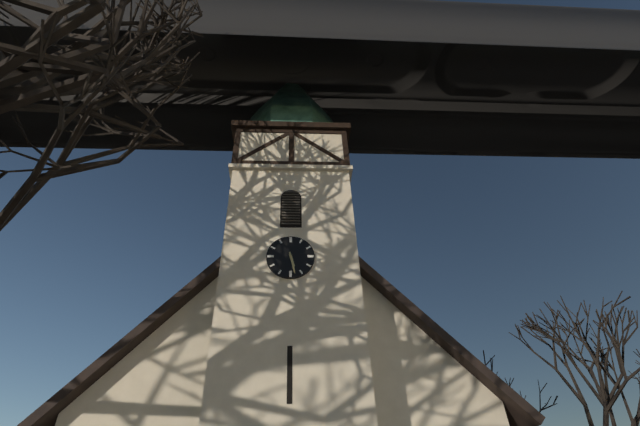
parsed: **5:28**
